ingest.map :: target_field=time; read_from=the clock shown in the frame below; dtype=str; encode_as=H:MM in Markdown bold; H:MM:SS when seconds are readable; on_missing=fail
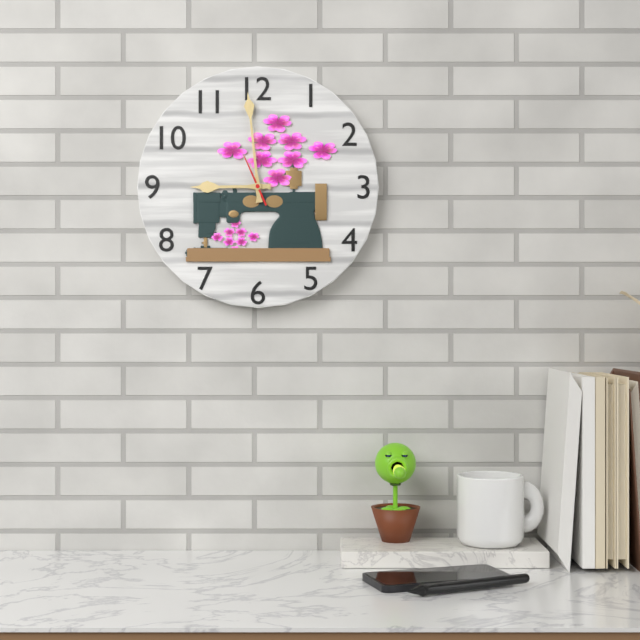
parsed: **8:59**
